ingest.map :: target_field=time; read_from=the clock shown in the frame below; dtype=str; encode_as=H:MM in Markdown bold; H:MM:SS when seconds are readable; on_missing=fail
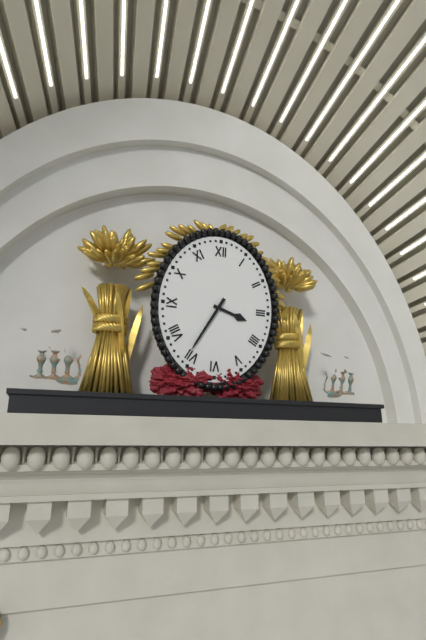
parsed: **3:35**
